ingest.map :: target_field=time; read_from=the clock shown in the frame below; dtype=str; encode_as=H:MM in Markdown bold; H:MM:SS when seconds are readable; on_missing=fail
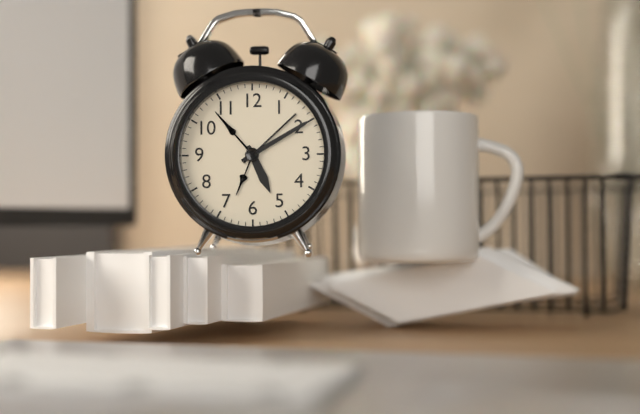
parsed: **5:10**
